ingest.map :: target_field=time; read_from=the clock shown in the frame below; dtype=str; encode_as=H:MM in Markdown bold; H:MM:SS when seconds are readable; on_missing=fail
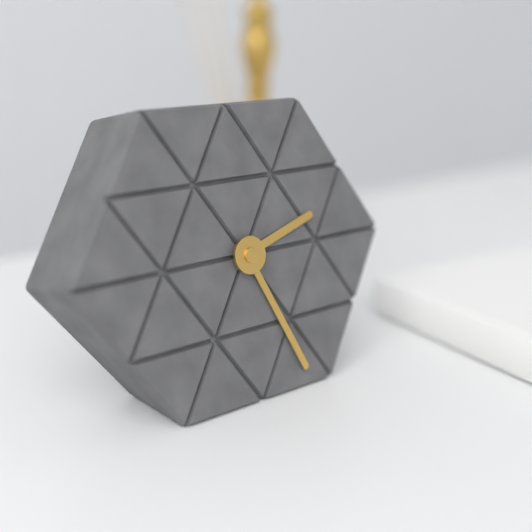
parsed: **2:26**
